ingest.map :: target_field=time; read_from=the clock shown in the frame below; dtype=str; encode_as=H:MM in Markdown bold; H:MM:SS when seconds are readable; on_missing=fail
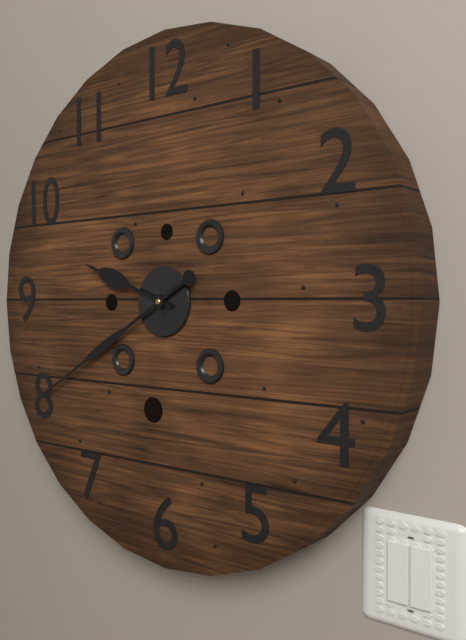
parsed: **9:40**
